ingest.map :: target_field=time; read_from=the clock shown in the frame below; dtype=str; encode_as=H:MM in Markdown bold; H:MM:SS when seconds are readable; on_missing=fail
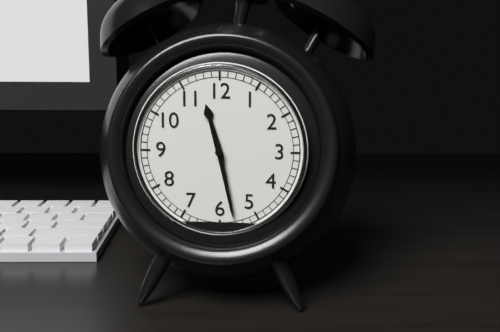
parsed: **11:28**
